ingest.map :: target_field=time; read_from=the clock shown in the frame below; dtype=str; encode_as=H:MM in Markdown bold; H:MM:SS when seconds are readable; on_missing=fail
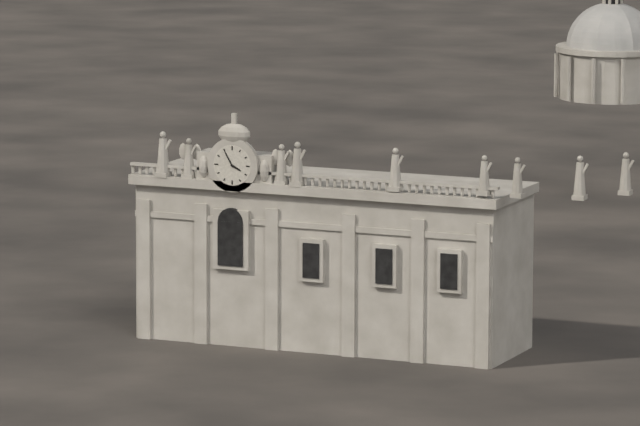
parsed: **3:55**
